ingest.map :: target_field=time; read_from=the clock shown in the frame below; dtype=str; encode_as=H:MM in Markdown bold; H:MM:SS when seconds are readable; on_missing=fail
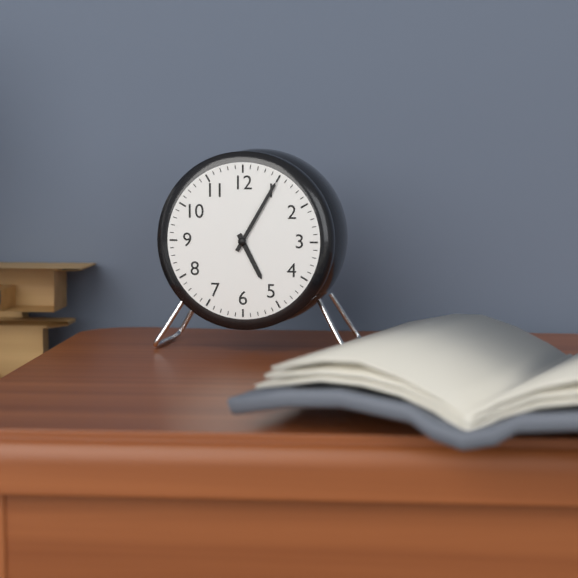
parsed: **5:05**
